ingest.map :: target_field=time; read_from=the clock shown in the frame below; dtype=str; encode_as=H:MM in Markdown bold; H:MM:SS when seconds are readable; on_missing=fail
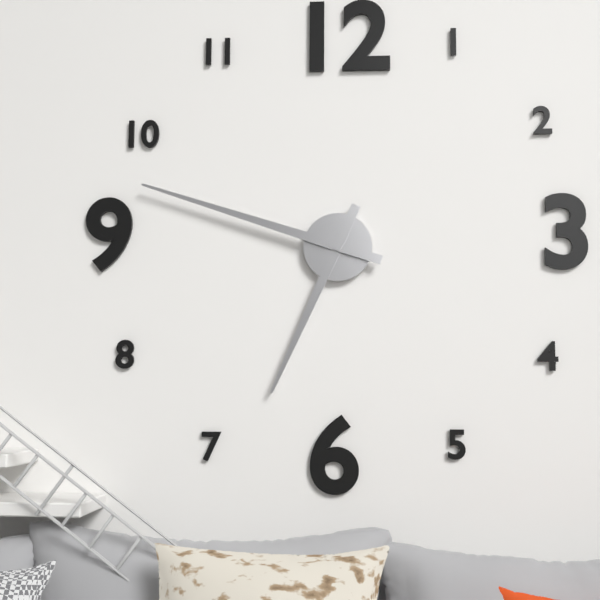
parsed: **6:48**
